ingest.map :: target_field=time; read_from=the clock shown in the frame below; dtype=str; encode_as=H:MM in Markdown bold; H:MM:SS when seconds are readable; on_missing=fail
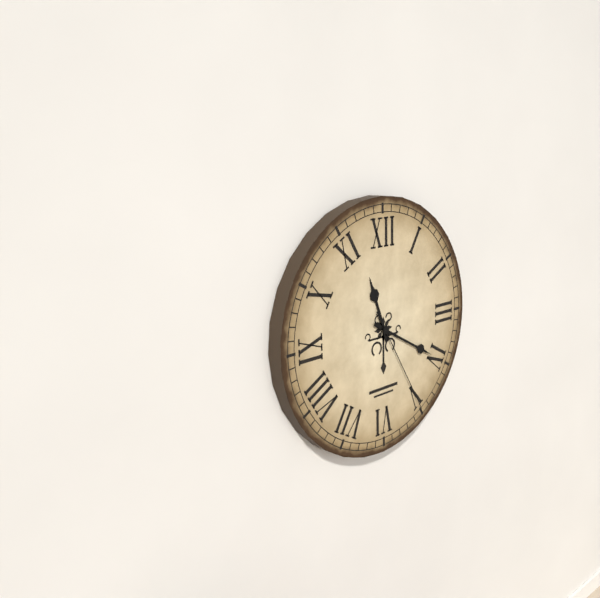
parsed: **11:20:25**
